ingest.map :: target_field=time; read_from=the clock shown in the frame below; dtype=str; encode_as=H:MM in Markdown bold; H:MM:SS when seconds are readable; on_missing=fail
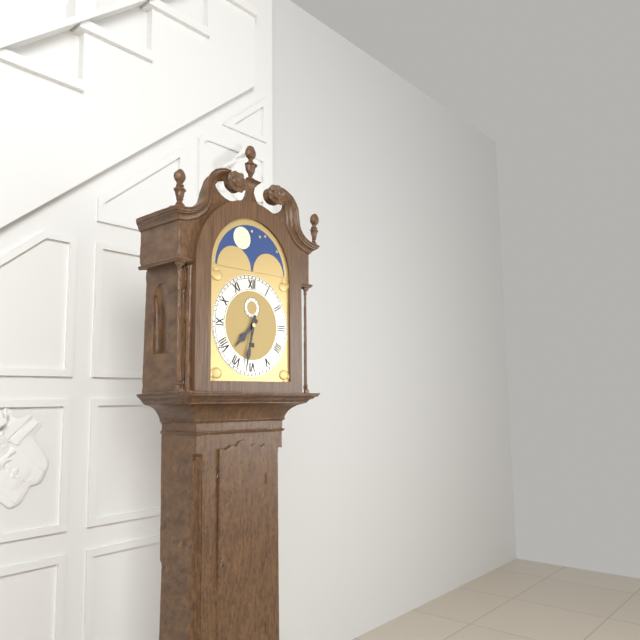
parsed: **7:32**
